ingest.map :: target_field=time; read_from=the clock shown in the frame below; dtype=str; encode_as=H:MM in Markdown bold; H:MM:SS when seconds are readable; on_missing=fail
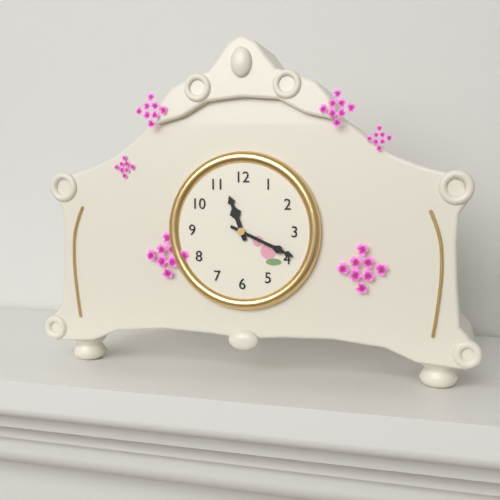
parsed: **11:19**
